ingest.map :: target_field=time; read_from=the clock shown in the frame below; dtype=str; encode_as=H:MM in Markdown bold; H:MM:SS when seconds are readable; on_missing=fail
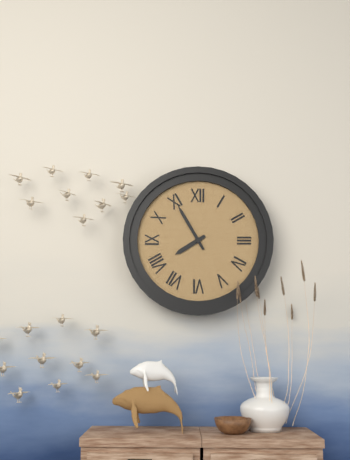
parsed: **7:55**
